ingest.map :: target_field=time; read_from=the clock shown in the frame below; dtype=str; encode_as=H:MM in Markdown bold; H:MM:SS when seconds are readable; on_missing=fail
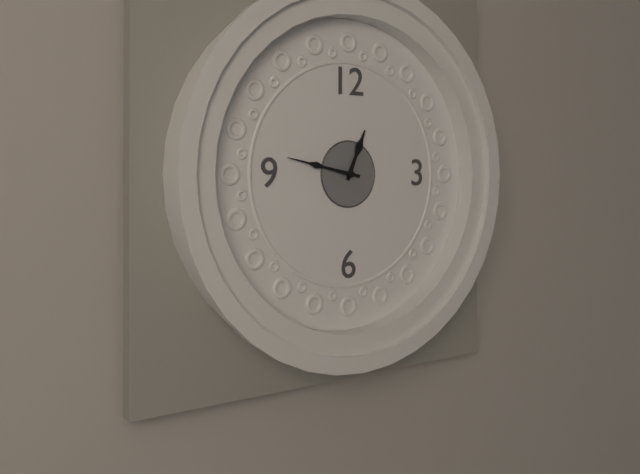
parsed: **12:47**
